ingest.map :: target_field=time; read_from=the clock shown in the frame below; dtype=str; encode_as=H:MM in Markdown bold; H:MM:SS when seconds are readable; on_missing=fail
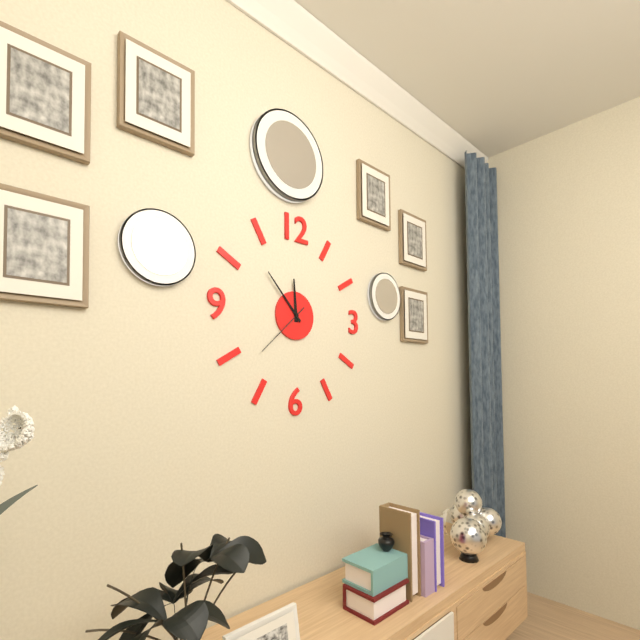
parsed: **11:53:38**
